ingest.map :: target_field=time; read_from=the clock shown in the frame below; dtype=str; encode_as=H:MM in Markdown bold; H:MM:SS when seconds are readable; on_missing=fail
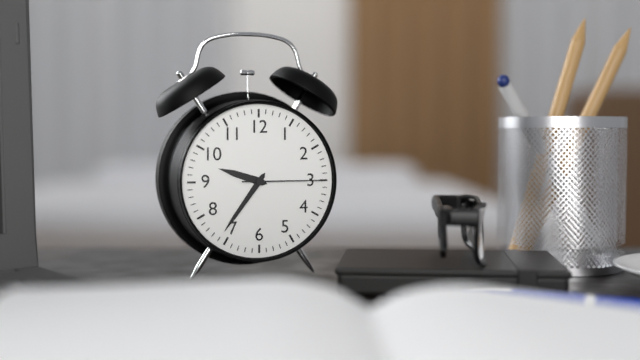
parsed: **9:36:15**
